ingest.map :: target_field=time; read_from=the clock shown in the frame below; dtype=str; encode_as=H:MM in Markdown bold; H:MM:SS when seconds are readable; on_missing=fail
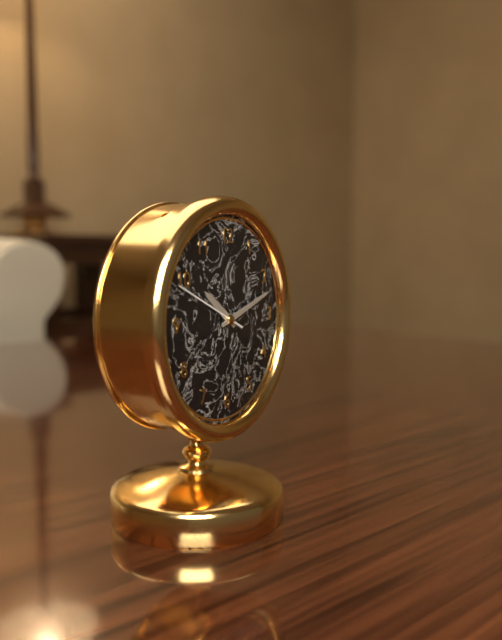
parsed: **10:12:49**
